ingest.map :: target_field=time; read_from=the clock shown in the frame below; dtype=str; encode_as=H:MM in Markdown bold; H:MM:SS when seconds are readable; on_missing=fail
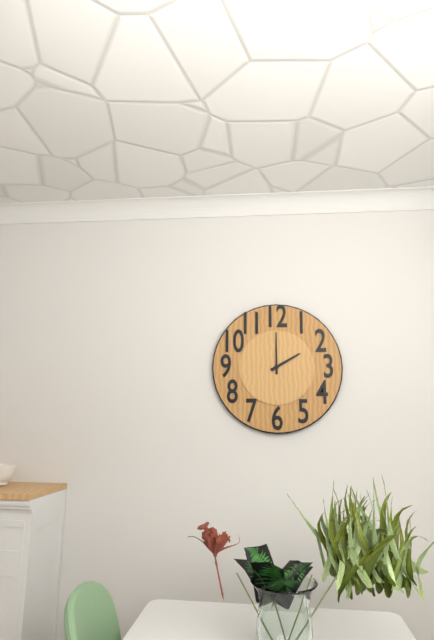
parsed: **2:00**
